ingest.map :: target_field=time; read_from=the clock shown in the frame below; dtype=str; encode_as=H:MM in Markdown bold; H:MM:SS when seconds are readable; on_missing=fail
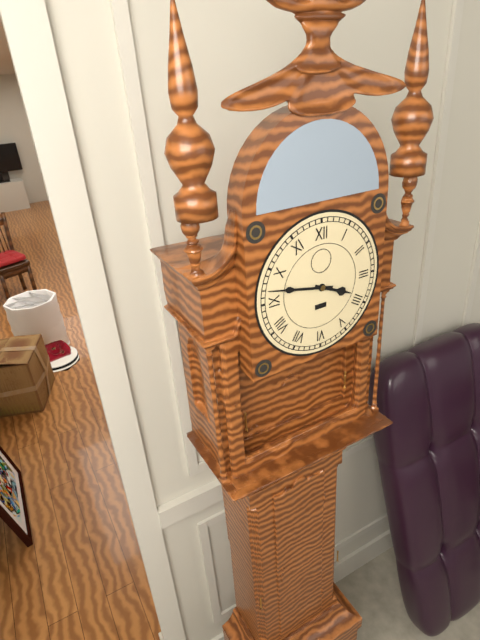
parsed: **3:47**
